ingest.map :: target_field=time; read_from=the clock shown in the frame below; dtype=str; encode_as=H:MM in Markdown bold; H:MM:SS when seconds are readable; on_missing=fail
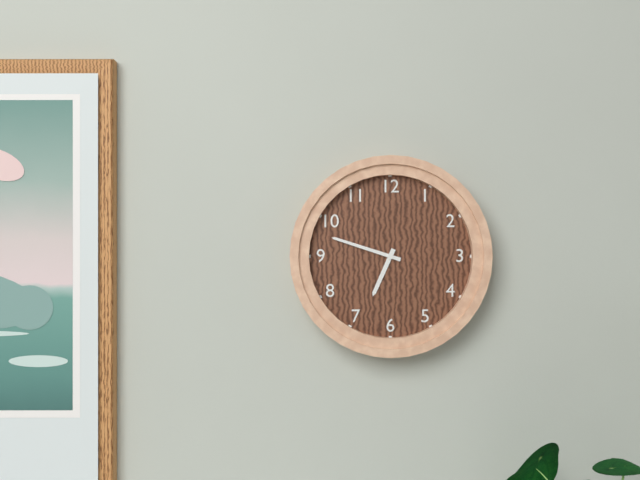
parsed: **6:48**
